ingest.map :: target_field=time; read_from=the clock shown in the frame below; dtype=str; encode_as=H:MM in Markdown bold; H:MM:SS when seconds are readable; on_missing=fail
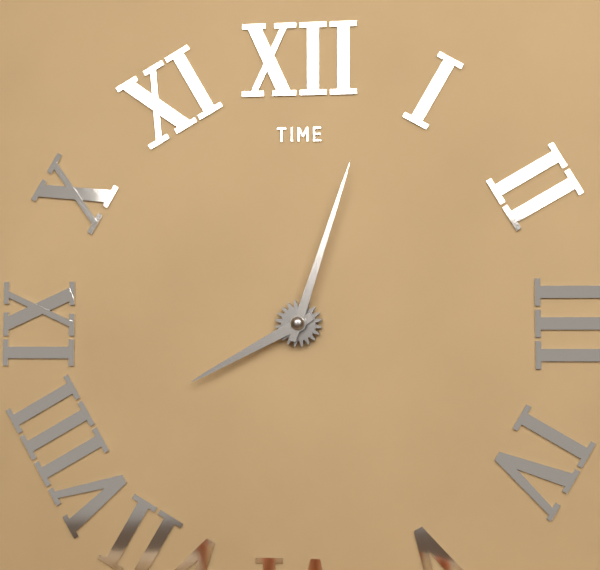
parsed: **8:03**
